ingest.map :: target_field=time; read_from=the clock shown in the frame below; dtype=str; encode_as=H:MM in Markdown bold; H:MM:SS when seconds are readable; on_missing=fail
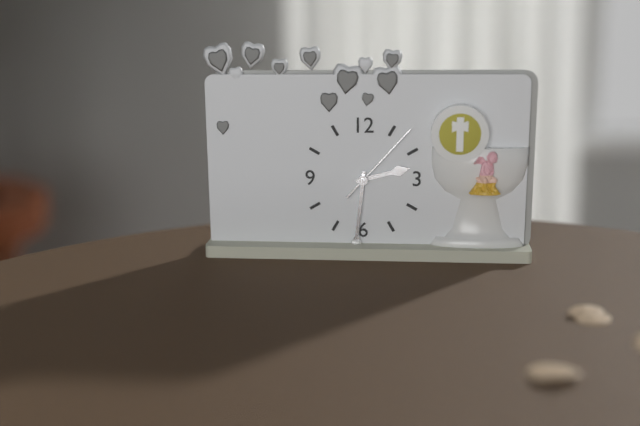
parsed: **2:31:07**
